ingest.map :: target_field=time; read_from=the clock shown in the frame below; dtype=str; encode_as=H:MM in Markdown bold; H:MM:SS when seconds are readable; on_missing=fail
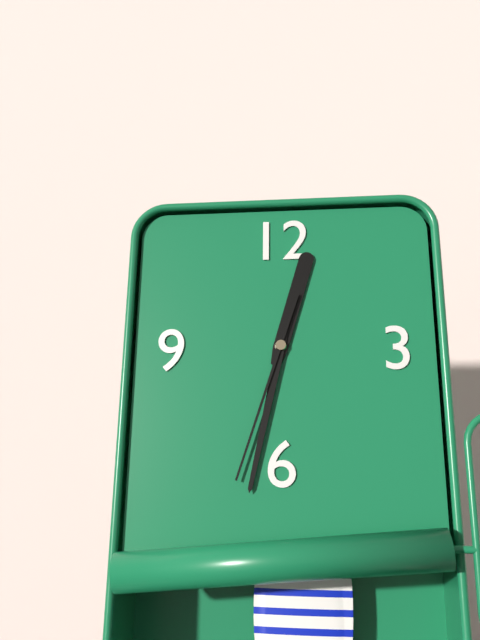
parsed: **12:32:33**
